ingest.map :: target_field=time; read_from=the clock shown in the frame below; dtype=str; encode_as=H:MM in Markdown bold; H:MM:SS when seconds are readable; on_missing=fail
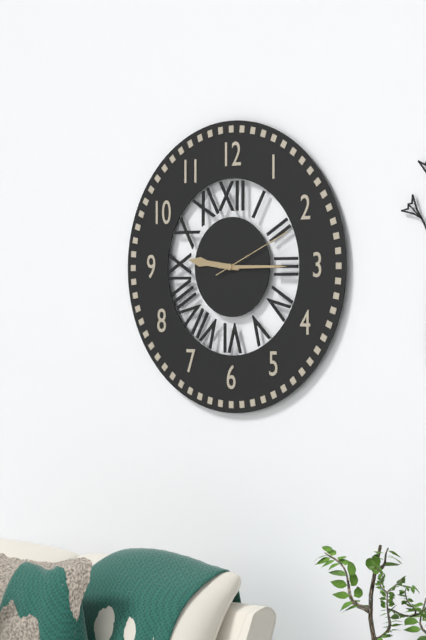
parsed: **9:15:11**
